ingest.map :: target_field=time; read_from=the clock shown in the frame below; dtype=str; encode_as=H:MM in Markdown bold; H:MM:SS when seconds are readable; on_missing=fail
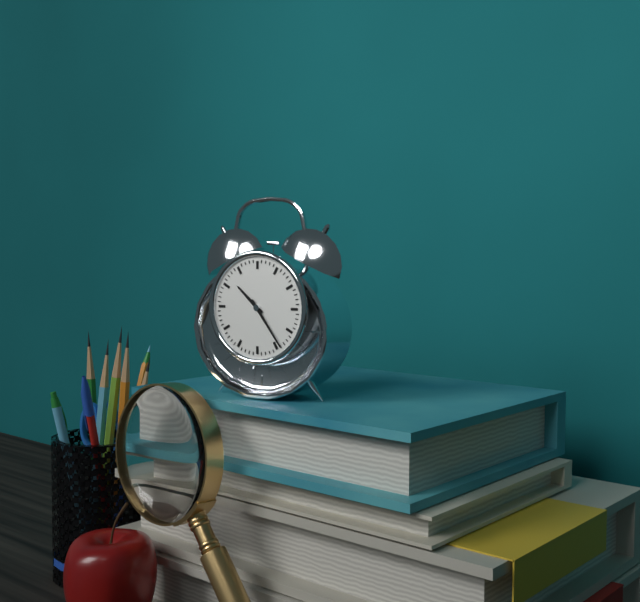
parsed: **10:24**
